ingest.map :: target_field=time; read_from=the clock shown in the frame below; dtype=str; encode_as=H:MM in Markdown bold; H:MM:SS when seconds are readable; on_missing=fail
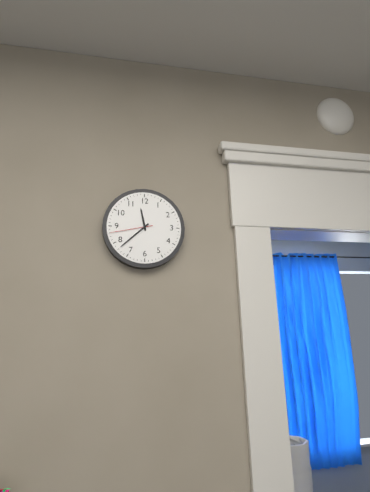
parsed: **11:38**
